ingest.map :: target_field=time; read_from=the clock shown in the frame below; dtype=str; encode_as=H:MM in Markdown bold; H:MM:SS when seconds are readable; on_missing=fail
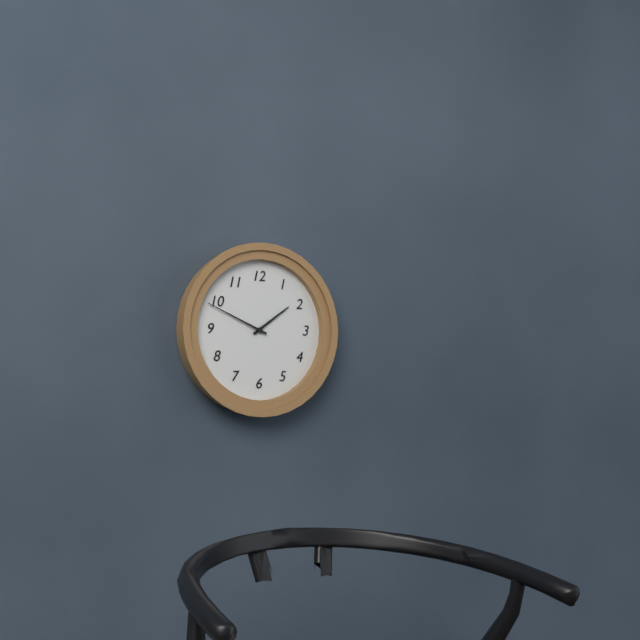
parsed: **1:49**
